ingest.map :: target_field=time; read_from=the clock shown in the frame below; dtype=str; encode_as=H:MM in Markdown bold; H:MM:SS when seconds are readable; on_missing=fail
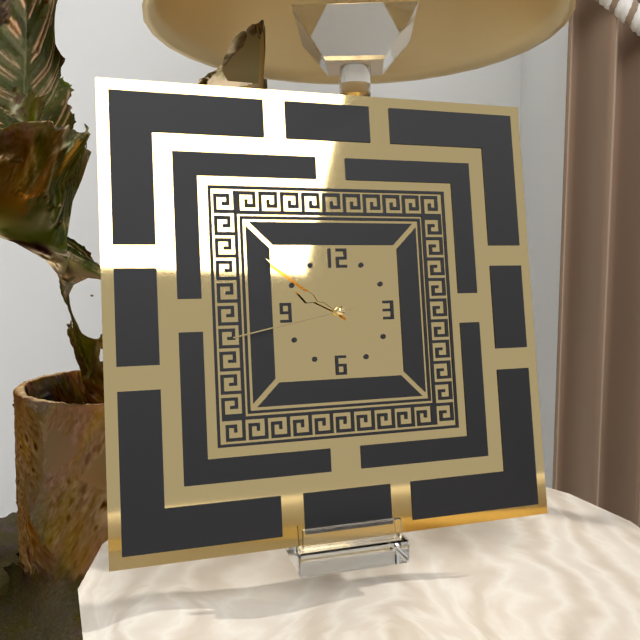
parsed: **9:51:43**
